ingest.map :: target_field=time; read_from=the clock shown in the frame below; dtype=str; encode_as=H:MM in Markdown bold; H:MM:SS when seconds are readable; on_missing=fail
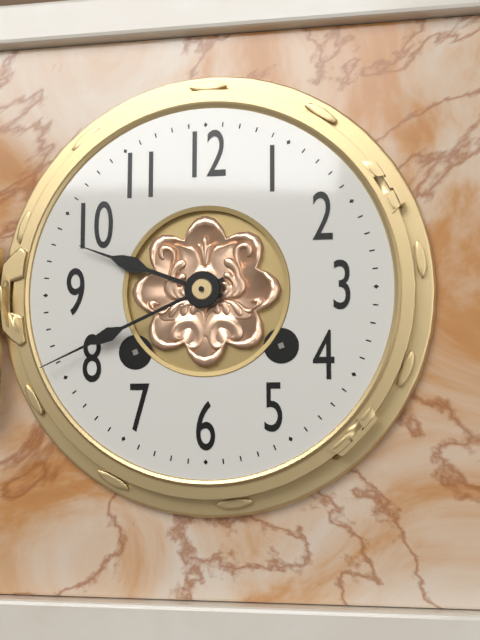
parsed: **9:41**
